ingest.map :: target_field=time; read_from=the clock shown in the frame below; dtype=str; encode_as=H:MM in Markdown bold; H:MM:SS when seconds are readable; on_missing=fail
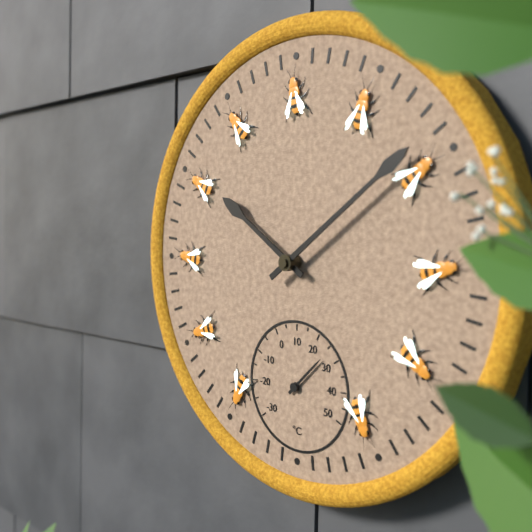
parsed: **10:09**
